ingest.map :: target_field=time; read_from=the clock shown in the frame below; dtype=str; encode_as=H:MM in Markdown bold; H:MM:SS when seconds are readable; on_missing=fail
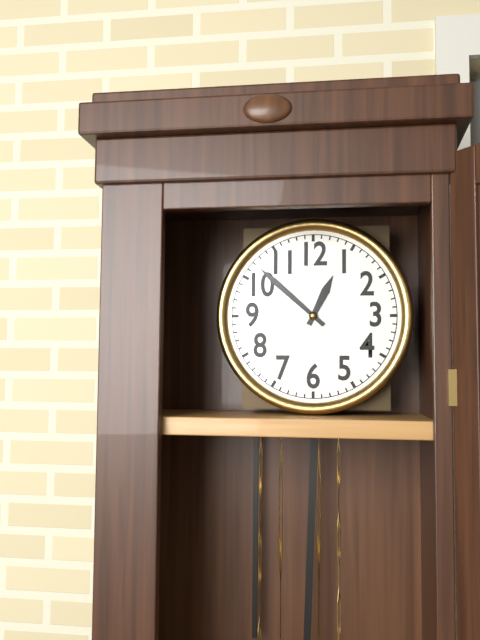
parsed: **12:52**
